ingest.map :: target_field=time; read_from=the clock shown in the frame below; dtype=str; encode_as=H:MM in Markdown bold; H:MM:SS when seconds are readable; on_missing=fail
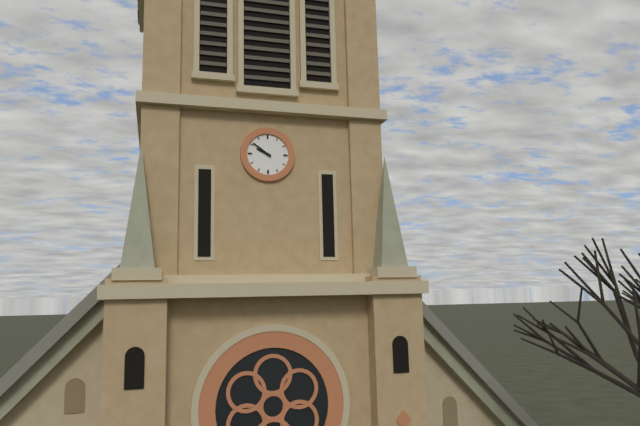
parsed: **9:51**
